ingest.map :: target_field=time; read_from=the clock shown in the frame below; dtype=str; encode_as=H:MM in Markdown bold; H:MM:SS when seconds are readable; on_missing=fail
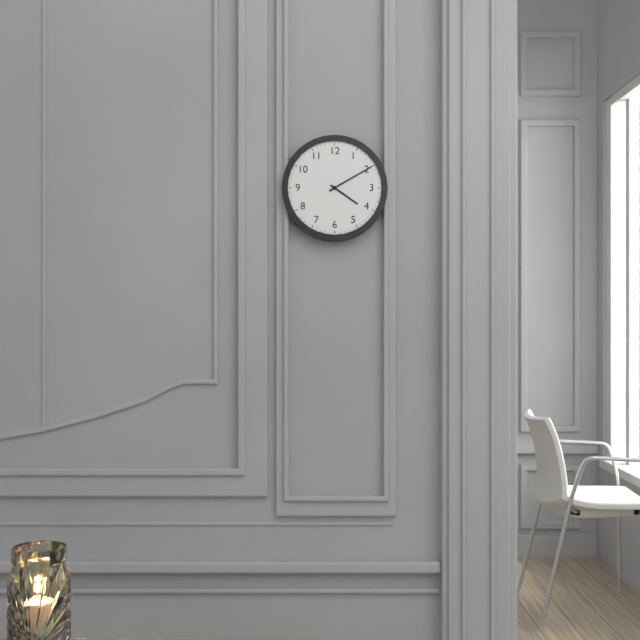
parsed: **4:10**
